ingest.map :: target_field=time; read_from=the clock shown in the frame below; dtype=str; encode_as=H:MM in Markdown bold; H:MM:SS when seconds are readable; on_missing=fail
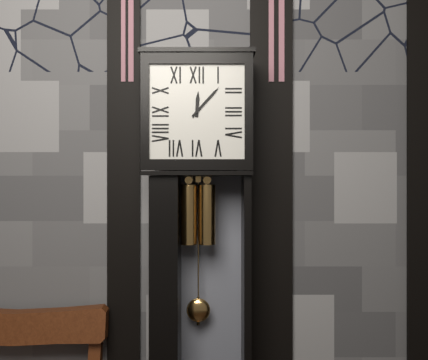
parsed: **12:07**
